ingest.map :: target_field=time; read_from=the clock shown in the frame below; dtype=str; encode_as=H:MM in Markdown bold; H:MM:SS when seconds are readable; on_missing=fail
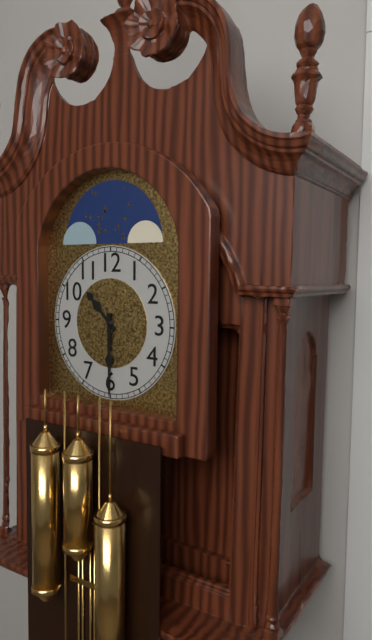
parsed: **10:30**
